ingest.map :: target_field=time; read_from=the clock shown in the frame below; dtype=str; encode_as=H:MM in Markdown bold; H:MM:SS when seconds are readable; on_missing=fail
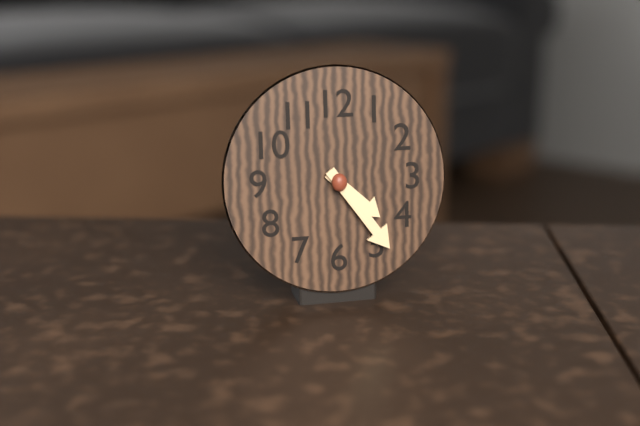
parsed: **4:24**
